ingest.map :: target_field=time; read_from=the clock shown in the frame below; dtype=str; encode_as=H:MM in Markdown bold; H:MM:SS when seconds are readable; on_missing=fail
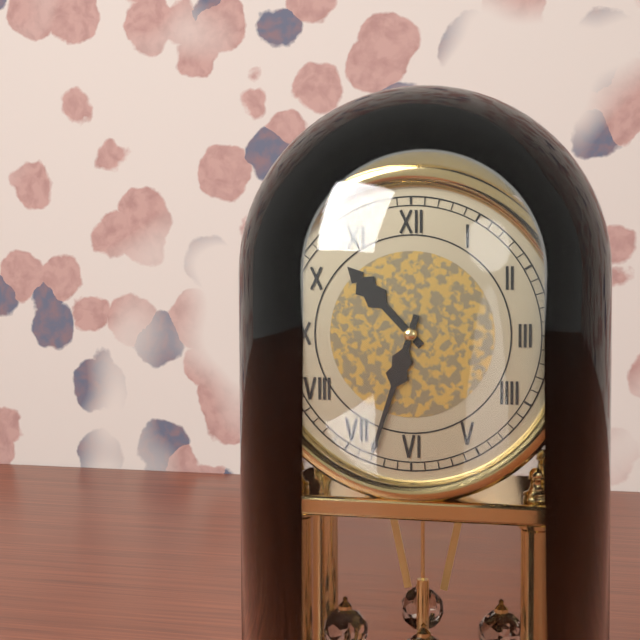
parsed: **10:33**
